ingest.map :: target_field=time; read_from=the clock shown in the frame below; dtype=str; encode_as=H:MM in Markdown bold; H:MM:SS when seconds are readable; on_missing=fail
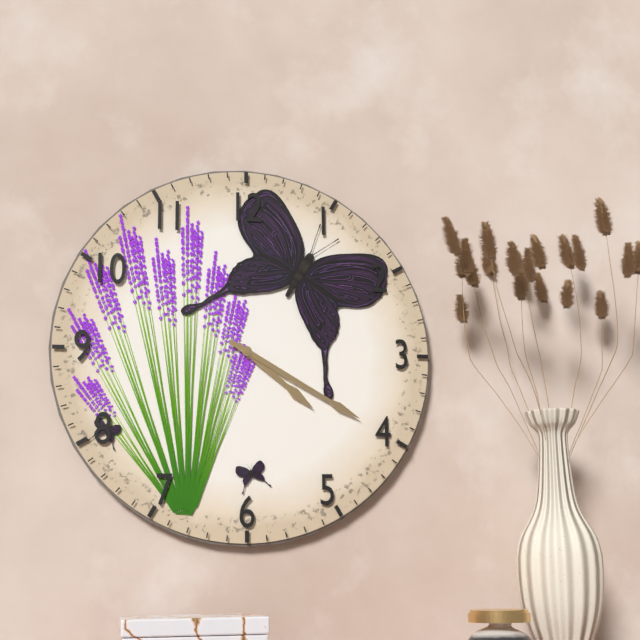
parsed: **4:20**
